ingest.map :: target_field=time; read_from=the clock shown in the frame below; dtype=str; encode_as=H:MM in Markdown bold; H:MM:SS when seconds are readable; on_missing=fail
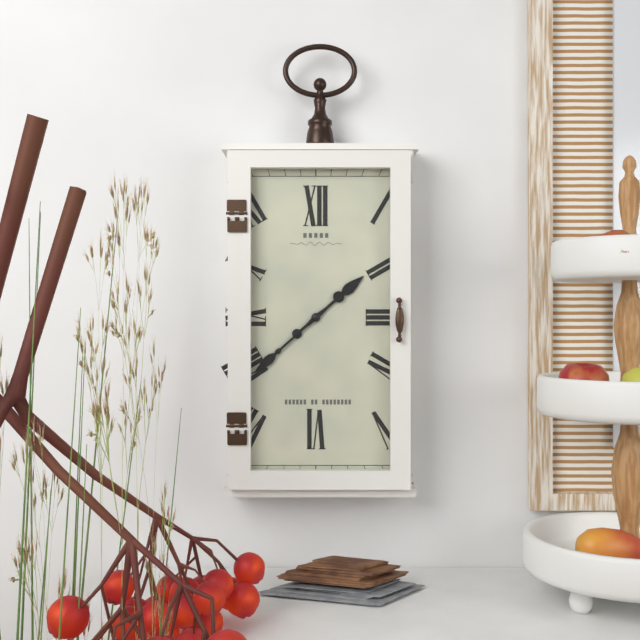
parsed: **1:38**
